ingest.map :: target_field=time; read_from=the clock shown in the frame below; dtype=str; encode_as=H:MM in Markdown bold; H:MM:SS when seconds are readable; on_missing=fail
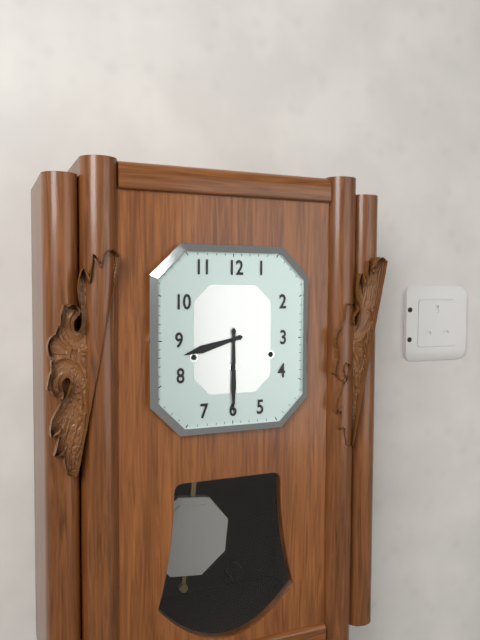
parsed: **8:30**
